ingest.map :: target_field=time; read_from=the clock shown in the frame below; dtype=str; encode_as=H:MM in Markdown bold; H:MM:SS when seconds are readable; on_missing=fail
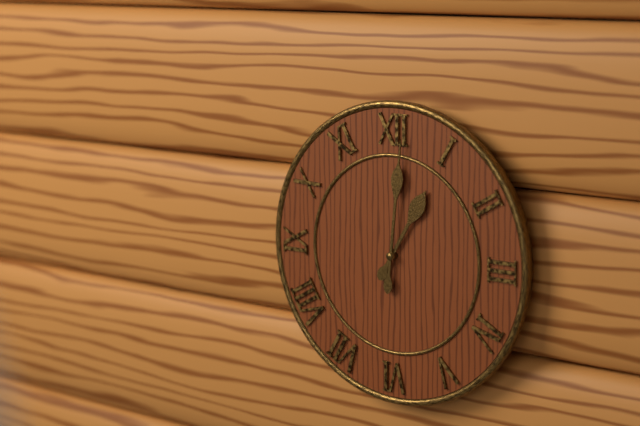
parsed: **1:01**
